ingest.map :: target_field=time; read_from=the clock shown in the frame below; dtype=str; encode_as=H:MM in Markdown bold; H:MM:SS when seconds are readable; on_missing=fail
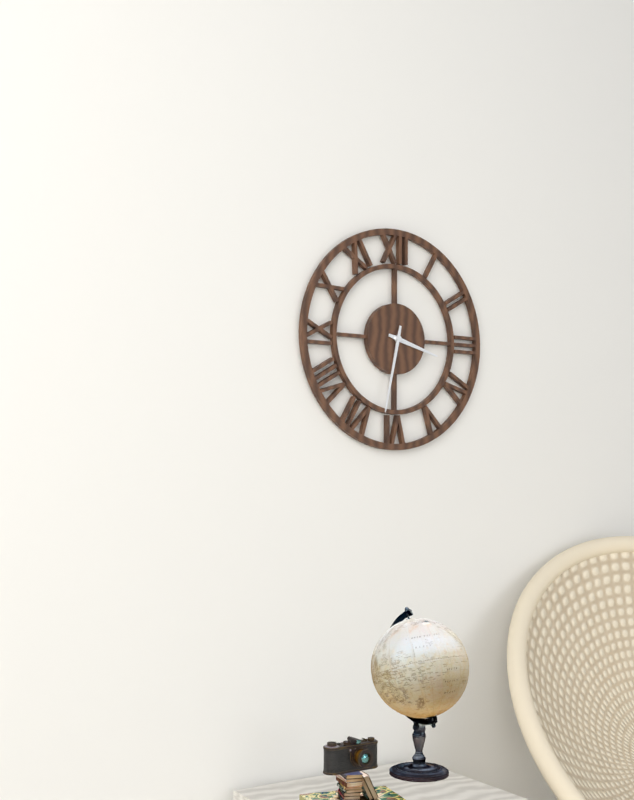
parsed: **3:32**
